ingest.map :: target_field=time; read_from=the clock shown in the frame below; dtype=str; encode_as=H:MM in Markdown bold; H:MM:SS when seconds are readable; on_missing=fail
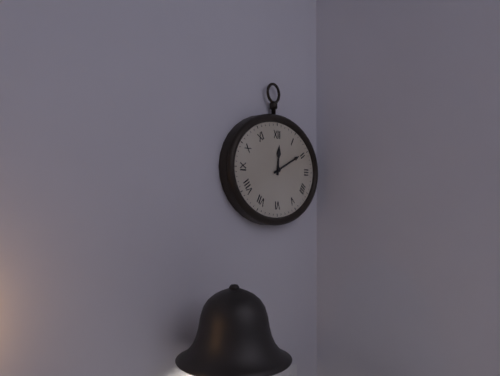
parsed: **12:11**
